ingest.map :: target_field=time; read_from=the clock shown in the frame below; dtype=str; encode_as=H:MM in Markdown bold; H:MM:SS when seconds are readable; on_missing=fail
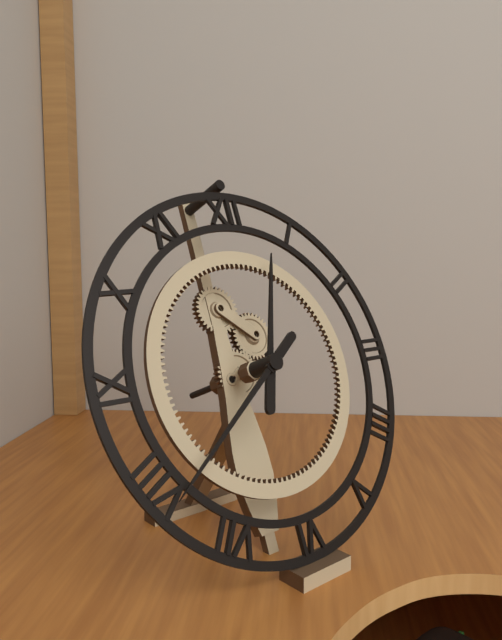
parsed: **12:39**
